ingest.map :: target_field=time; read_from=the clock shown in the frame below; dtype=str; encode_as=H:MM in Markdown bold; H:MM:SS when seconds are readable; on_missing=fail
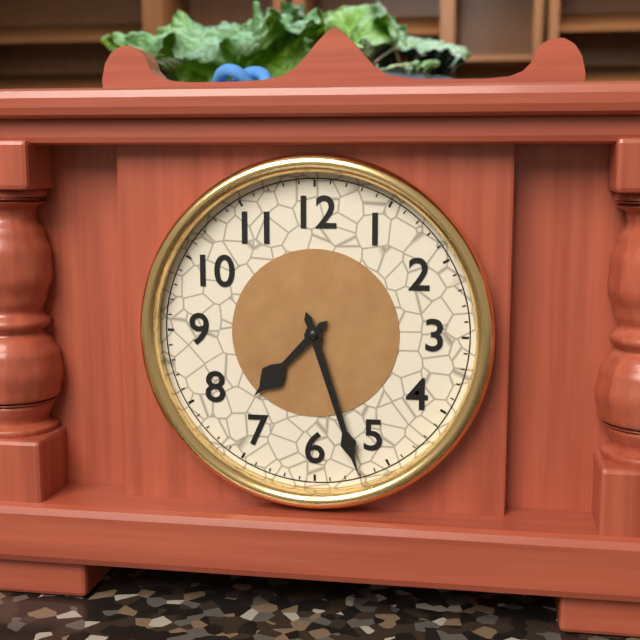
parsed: **7:27**
